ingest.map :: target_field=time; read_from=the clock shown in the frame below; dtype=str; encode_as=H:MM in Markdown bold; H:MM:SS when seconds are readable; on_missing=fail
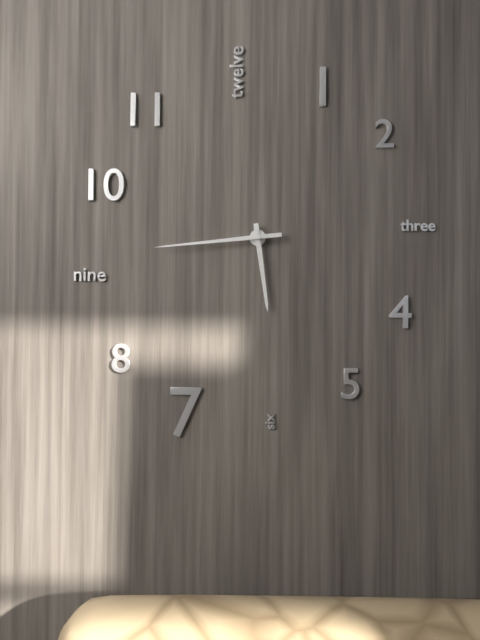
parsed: **5:44**
